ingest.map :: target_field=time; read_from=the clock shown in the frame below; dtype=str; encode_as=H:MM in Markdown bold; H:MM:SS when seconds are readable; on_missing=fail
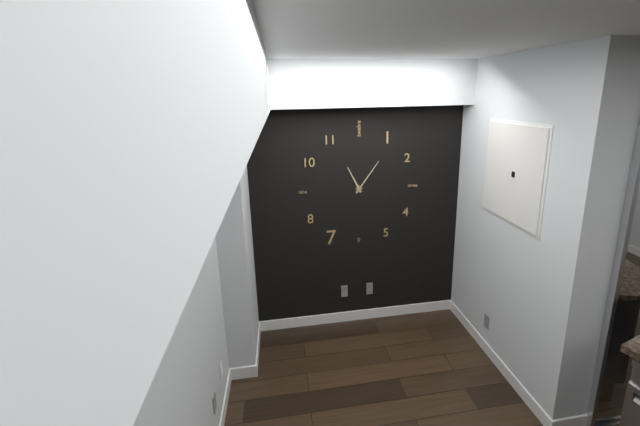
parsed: **11:06**
